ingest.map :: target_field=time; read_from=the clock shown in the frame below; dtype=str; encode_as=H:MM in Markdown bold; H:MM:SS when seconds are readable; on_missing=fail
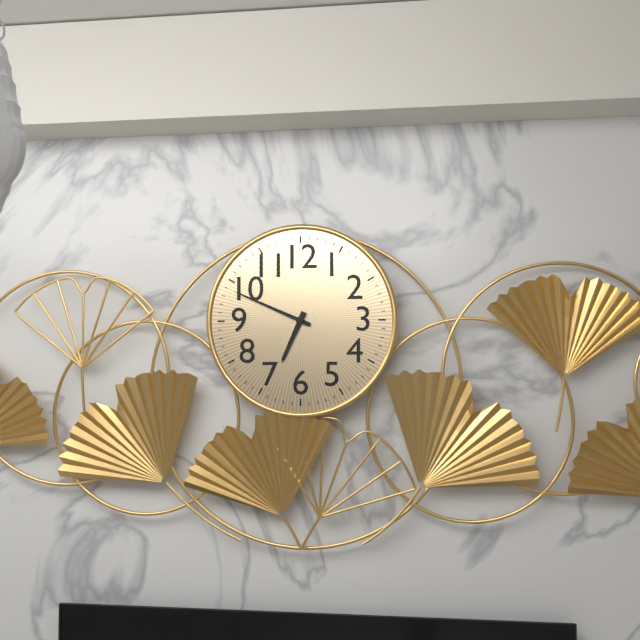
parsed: **6:49**
